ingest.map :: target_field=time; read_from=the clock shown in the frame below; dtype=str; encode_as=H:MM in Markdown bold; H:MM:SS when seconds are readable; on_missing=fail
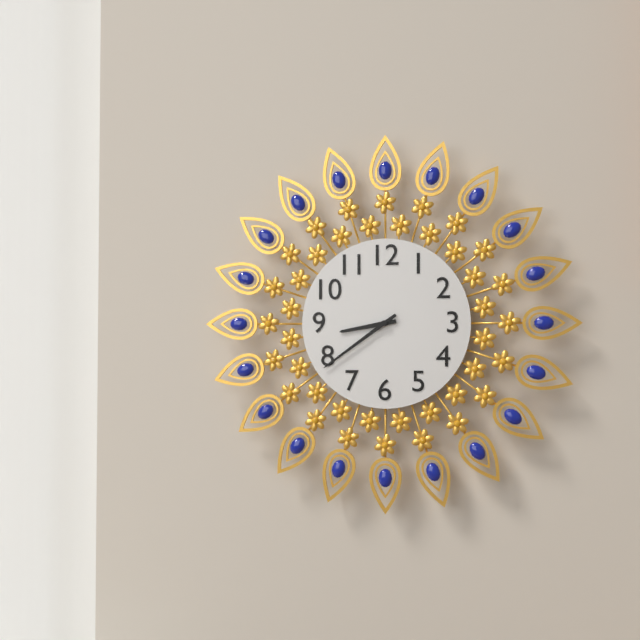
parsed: **8:39**
